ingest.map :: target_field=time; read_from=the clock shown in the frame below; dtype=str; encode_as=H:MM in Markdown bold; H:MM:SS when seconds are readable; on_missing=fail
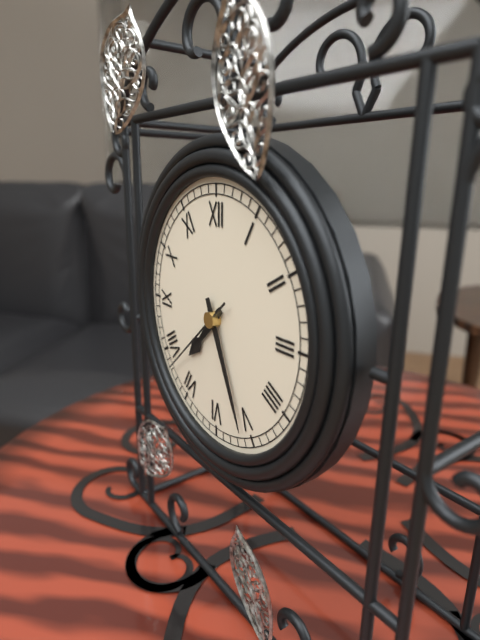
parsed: **7:26:38**
